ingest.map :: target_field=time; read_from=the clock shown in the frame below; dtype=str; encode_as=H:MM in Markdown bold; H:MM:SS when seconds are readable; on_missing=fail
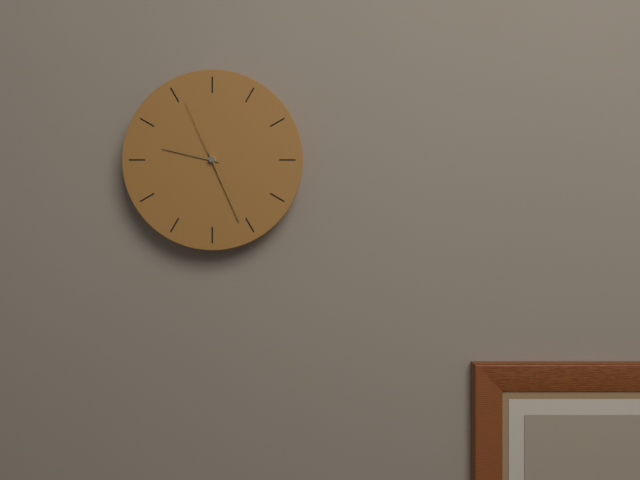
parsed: **9:26:56**
